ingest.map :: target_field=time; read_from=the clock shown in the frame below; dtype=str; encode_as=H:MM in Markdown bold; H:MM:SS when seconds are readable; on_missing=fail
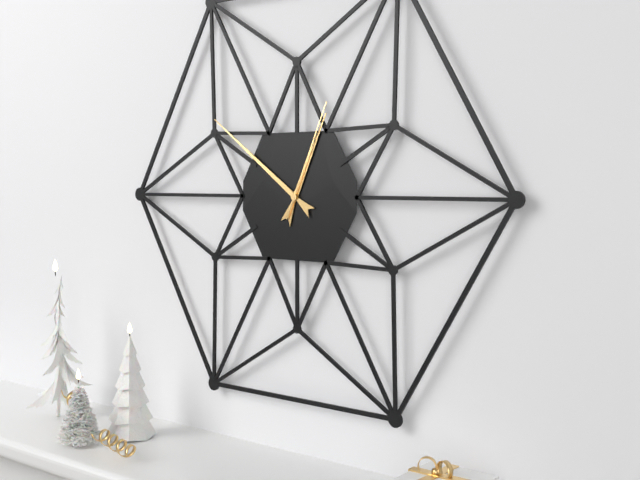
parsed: **12:51:04**
